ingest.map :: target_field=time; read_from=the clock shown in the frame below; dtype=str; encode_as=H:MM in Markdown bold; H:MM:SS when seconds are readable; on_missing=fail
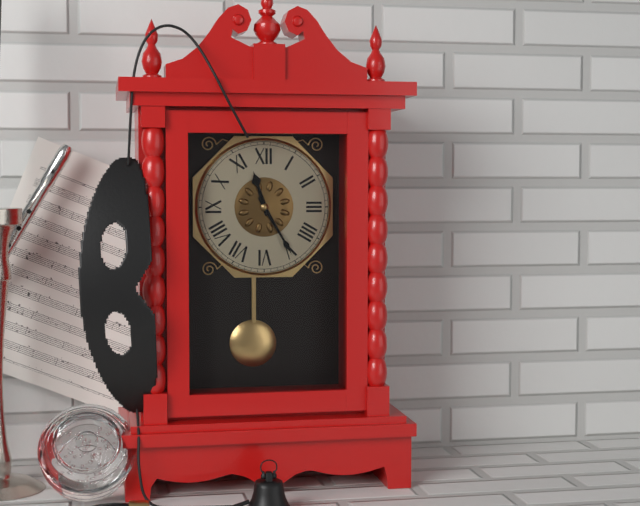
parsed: **11:25**
